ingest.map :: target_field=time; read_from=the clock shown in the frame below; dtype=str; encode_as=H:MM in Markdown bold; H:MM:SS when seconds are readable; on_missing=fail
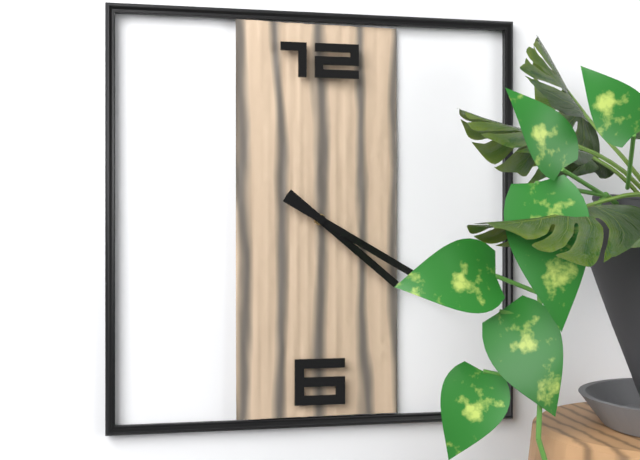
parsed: **4:20**
